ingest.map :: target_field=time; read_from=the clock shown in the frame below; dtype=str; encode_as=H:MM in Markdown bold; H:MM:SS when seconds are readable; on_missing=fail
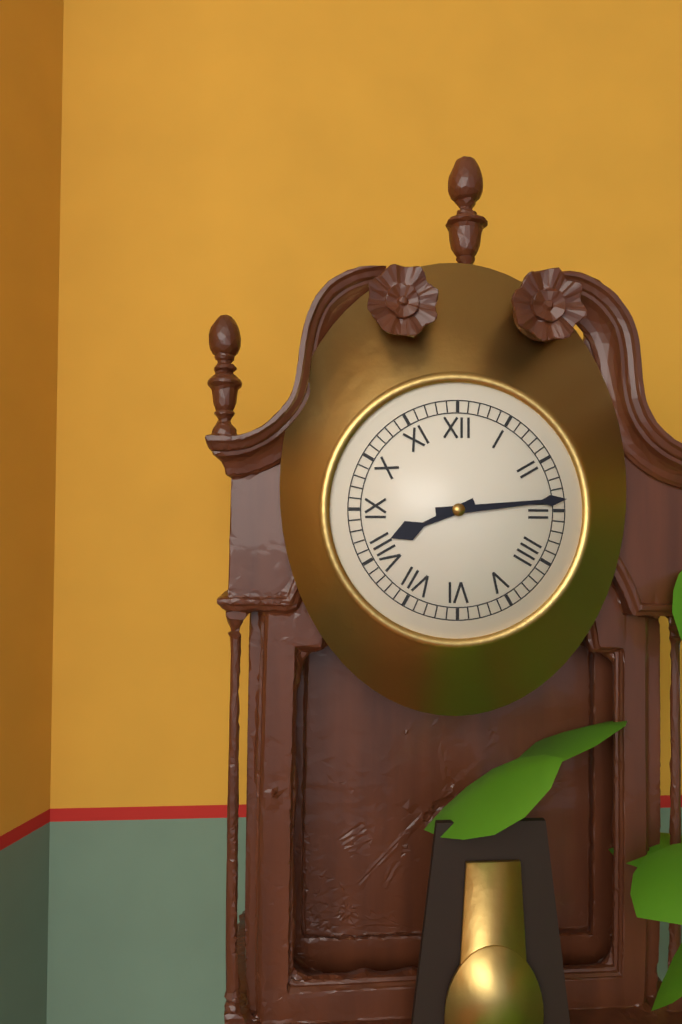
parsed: **8:14**
